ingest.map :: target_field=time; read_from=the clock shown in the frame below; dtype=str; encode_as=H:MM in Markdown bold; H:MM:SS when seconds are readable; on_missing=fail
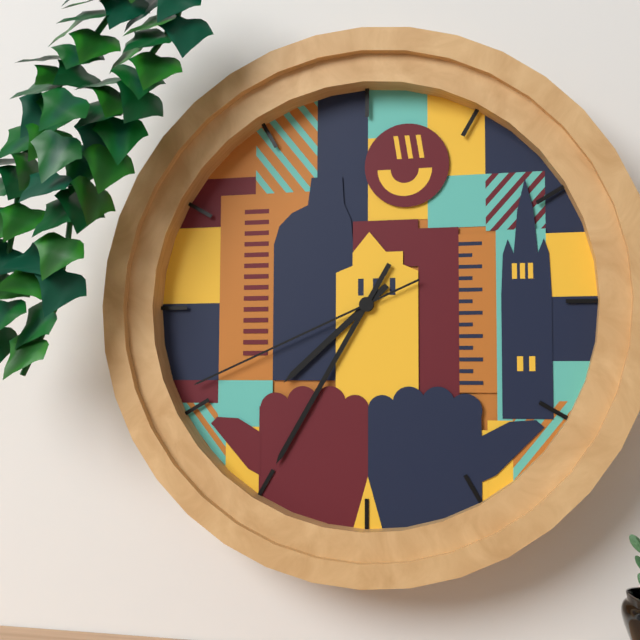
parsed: **7:35:41**
